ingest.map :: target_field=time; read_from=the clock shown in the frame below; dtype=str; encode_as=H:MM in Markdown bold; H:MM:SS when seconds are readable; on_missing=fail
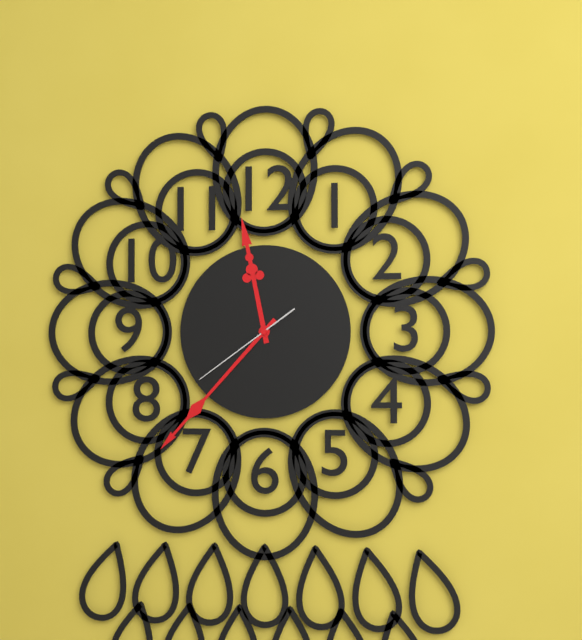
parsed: **11:37:39**
